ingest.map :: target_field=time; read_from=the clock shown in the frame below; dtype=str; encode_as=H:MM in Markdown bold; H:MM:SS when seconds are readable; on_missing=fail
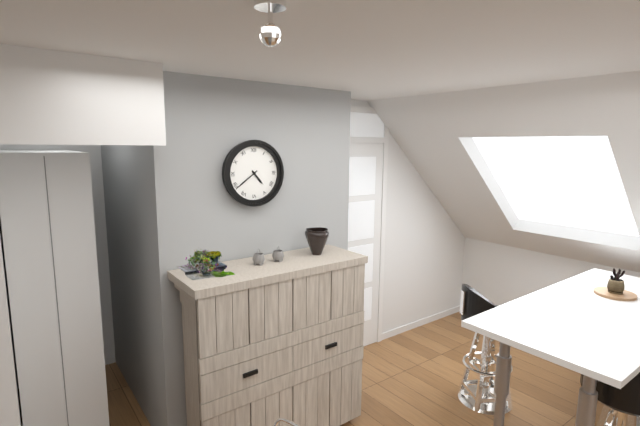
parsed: **4:39**
